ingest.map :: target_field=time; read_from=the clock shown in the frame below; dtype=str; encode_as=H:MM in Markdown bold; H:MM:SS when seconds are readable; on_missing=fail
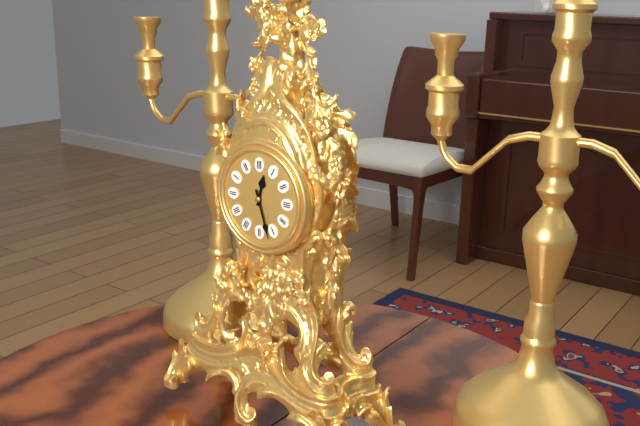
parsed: **12:27**
